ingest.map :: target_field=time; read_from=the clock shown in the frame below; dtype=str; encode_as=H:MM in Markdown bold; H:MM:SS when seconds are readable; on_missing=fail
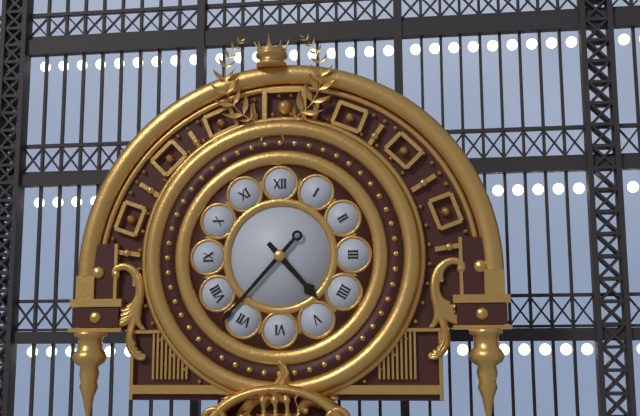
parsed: **4:37**
